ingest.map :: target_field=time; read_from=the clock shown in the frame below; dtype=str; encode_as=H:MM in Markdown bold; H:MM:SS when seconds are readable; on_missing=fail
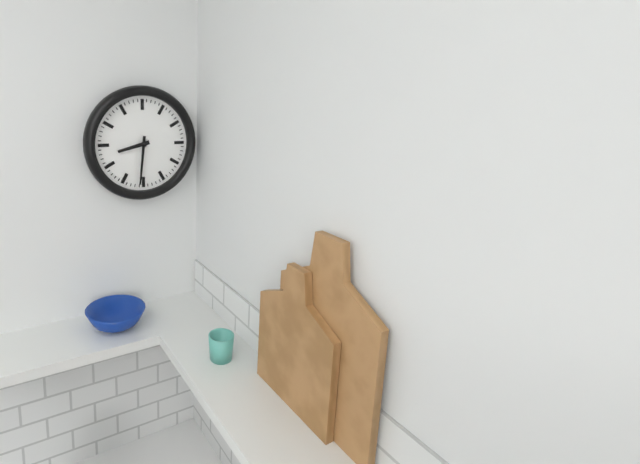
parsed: **8:31**
